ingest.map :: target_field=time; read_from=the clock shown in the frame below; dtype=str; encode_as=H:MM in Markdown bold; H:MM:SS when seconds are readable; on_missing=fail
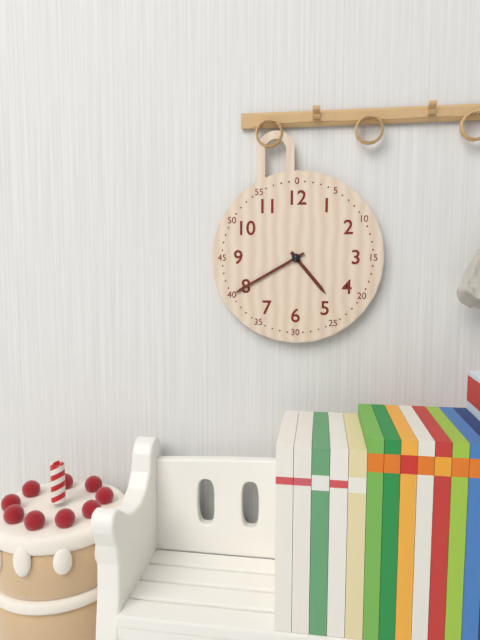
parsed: **4:40**
